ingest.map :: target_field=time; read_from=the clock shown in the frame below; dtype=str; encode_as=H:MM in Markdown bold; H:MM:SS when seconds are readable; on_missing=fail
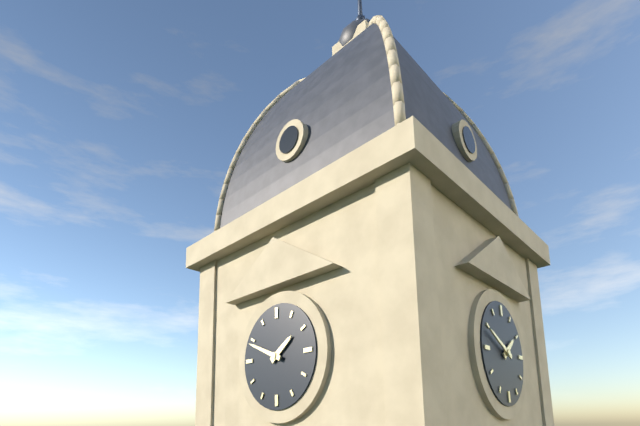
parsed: **1:49**
